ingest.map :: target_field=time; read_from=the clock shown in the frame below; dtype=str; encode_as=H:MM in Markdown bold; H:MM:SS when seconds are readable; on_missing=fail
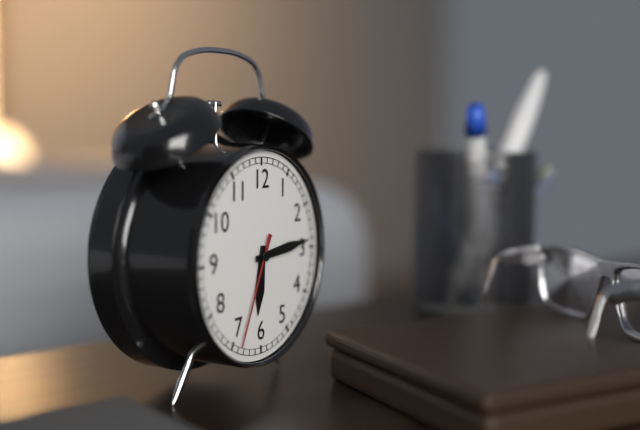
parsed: **6:14:34**
